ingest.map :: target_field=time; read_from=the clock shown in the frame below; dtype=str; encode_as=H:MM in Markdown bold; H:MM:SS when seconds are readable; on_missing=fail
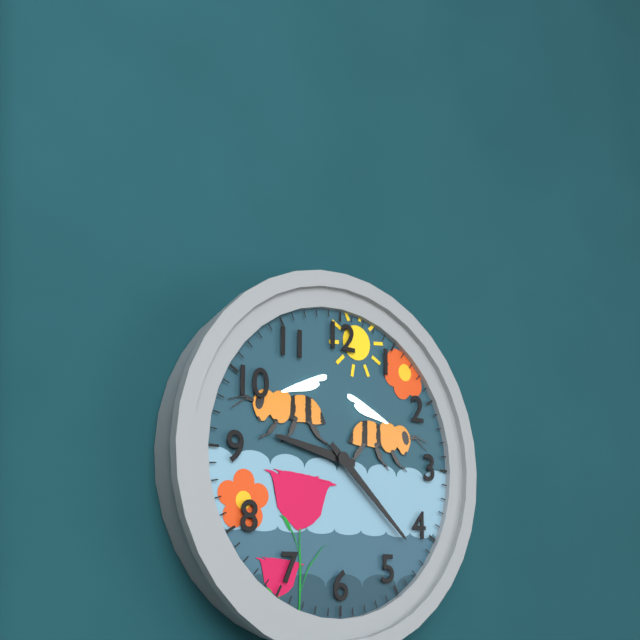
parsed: **9:22**
